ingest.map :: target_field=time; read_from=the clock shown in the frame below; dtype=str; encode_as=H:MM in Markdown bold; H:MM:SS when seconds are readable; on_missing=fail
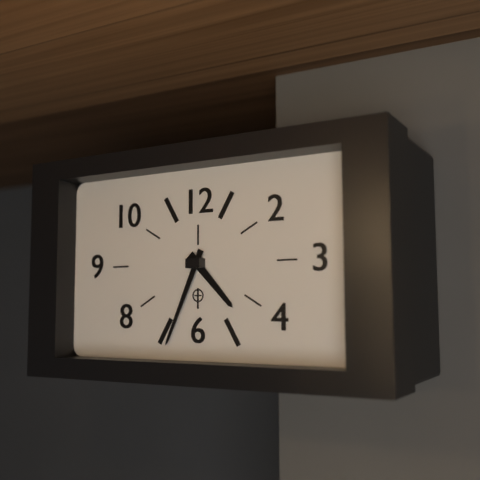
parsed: **4:34**
